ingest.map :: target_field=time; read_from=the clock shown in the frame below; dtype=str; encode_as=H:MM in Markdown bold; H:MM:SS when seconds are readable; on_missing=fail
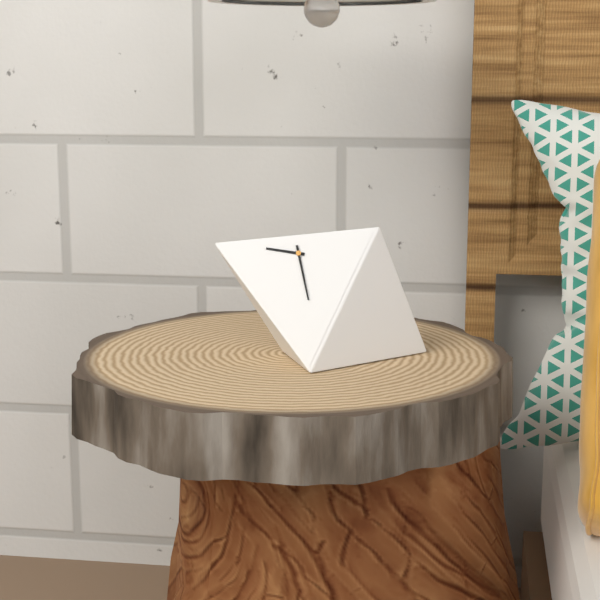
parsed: **9:29**
